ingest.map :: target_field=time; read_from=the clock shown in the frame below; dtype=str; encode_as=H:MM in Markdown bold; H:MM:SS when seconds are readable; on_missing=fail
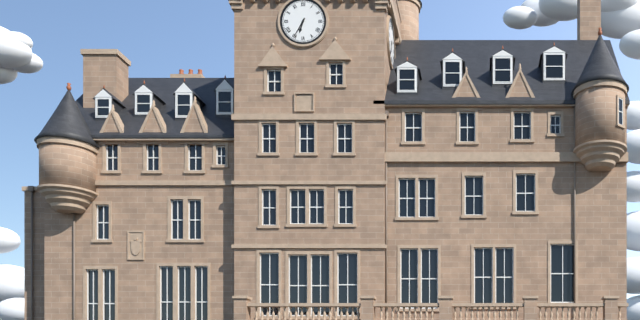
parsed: **6:35**
